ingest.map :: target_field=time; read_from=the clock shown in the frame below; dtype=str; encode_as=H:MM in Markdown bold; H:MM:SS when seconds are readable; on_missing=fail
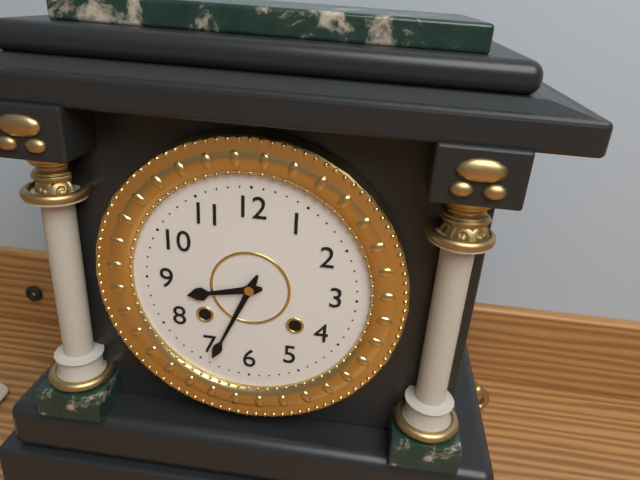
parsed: **8:34**
